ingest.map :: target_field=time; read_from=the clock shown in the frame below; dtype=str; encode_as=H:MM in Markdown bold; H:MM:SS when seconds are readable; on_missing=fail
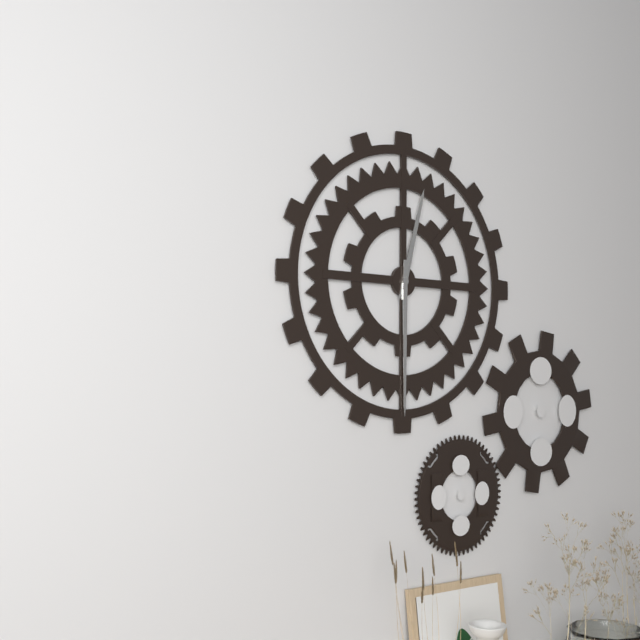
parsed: **12:30**
